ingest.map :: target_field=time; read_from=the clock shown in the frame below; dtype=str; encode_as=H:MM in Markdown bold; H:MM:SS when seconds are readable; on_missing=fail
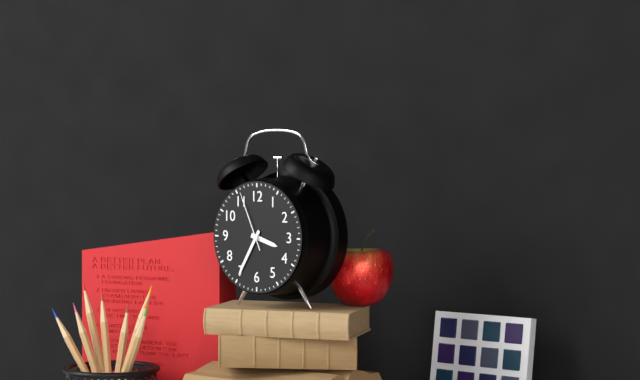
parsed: **3:35:56**
